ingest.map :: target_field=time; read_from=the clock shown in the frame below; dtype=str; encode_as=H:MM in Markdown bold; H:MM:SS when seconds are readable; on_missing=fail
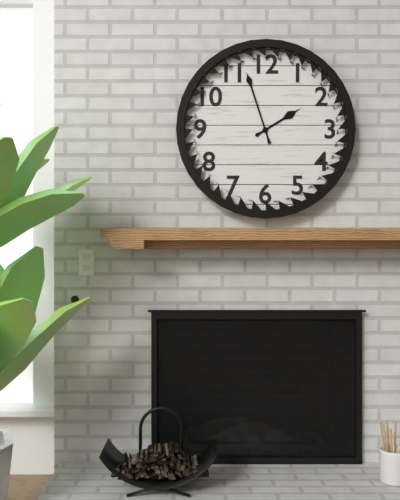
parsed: **1:57**
